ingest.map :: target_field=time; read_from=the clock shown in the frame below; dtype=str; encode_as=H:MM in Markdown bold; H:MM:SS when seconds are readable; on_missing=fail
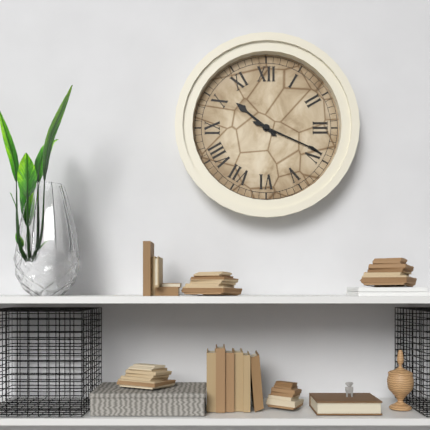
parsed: **10:19**
